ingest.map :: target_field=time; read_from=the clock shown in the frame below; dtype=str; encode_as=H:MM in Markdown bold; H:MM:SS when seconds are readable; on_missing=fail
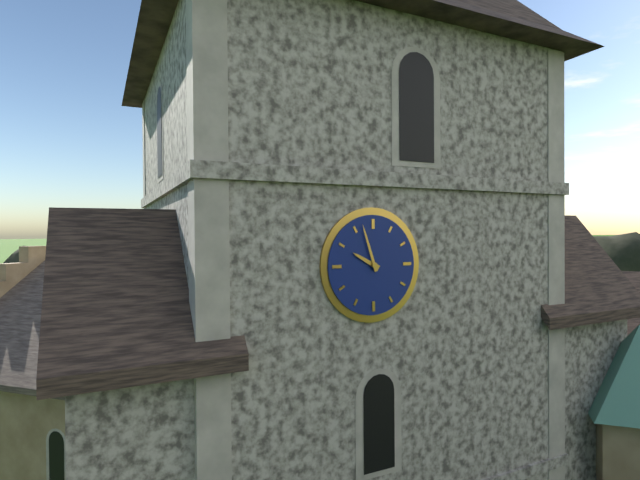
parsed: **9:57**
